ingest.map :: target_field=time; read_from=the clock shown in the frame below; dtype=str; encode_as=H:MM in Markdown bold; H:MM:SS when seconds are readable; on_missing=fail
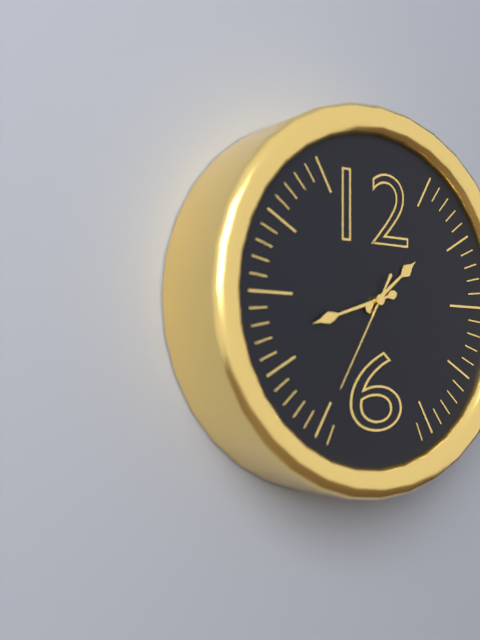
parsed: **1:42:35**
